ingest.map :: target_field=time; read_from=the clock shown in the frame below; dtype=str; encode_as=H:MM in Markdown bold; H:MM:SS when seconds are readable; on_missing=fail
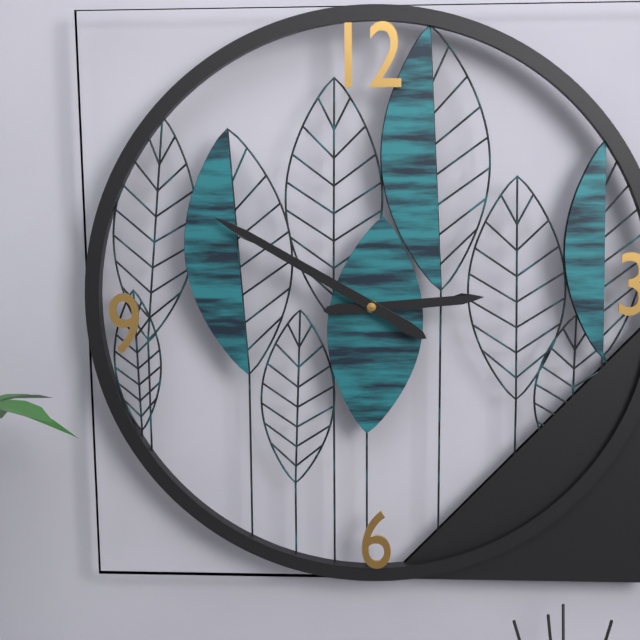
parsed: **2:50**
